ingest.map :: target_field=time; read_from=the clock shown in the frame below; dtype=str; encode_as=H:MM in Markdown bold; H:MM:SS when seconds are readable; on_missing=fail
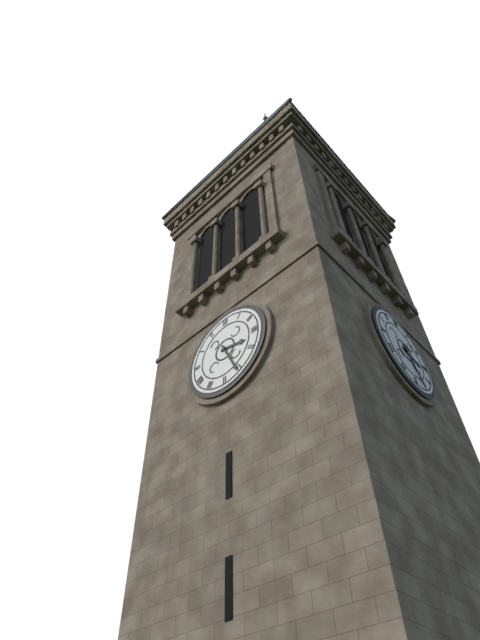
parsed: **3:26**
